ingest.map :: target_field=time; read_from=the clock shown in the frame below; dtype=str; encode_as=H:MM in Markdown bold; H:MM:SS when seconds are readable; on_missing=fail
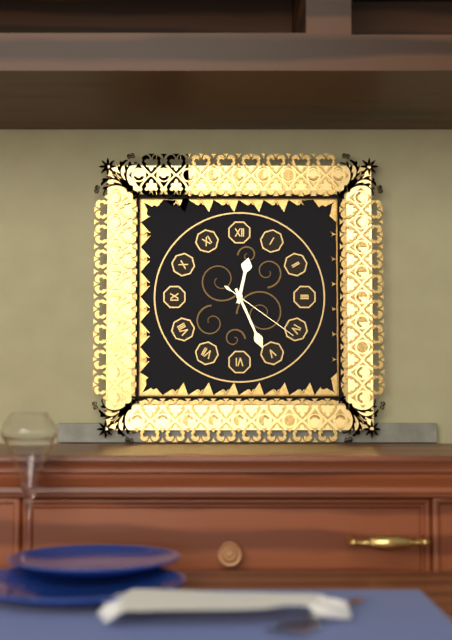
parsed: **12:26:21**
